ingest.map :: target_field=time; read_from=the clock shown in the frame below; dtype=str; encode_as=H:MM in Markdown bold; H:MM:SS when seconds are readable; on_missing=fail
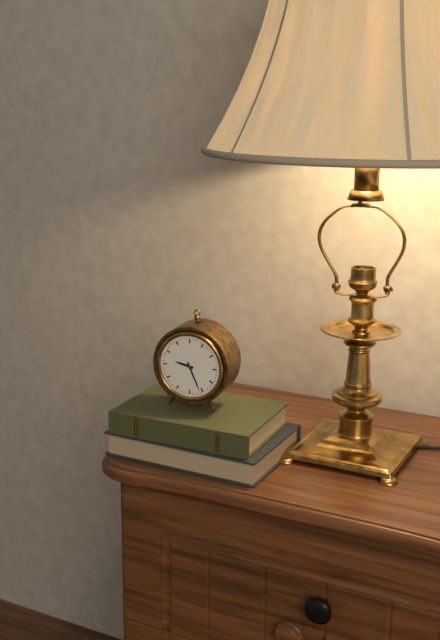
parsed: **9:26**
